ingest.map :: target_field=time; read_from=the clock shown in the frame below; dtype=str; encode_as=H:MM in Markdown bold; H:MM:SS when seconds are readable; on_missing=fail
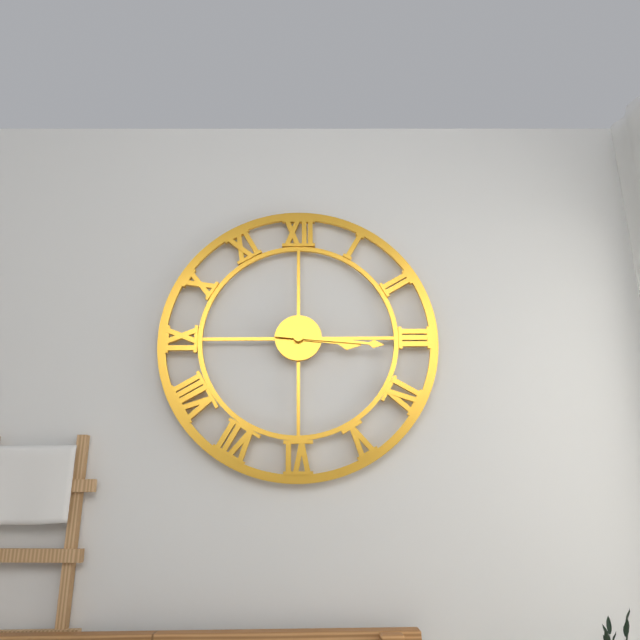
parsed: **3:16**
